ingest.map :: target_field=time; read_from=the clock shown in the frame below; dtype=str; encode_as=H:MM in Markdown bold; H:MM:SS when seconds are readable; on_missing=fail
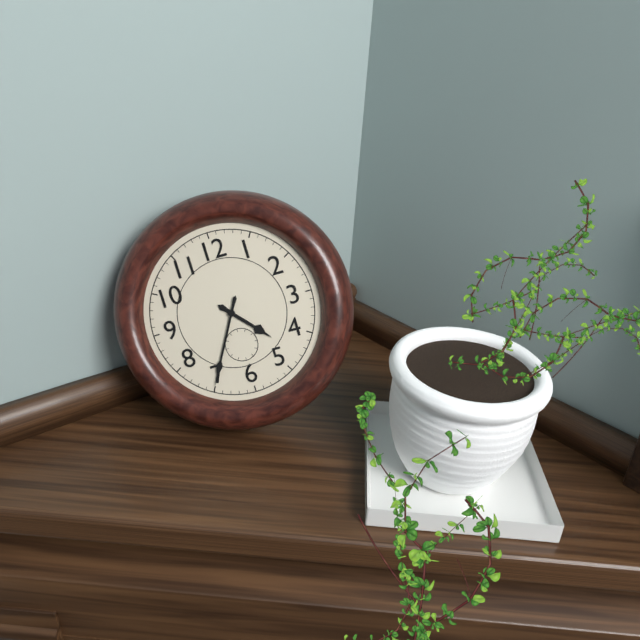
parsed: **4:35**
